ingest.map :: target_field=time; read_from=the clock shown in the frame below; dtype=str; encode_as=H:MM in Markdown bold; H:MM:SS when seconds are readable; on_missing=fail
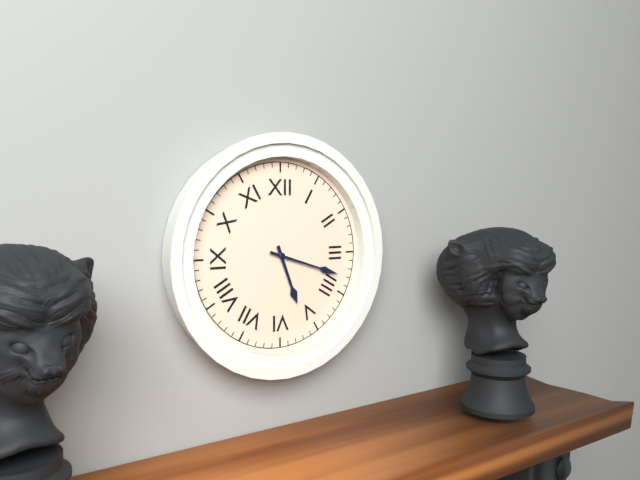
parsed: **5:18**
